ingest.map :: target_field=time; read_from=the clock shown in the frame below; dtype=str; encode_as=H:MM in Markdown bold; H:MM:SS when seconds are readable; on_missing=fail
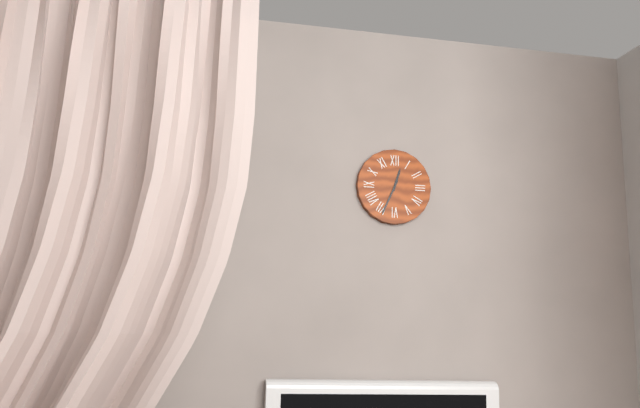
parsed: **12:34**
